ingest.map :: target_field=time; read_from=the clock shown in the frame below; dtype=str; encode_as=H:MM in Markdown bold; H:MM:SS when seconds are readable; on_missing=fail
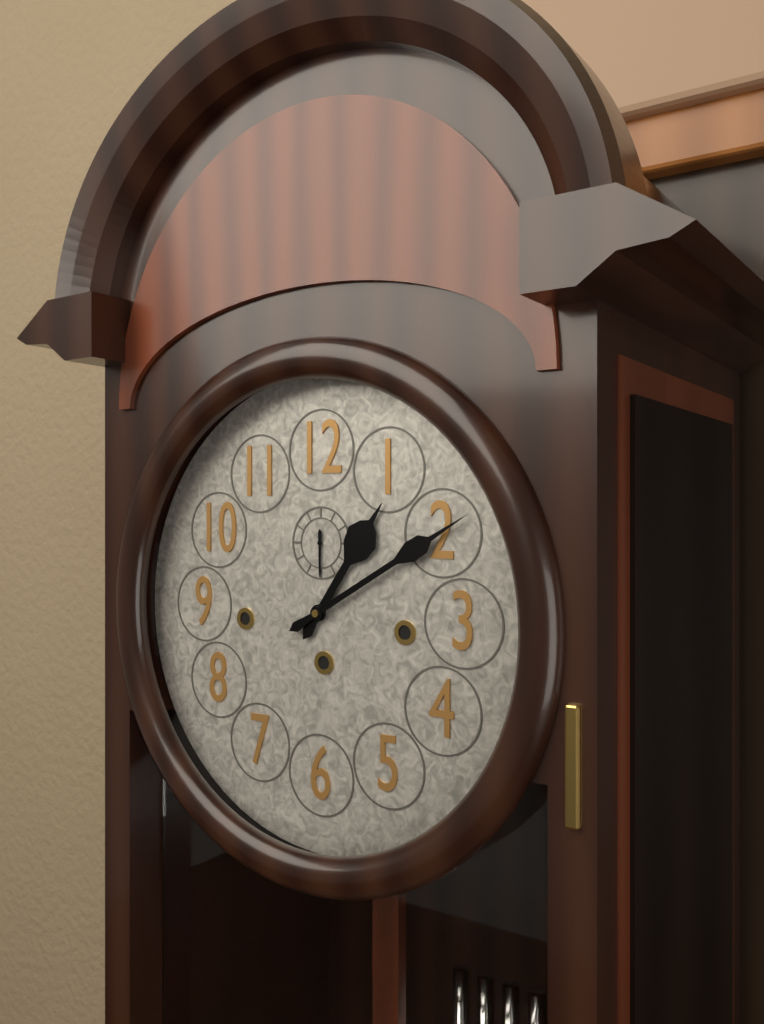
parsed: **1:10**
